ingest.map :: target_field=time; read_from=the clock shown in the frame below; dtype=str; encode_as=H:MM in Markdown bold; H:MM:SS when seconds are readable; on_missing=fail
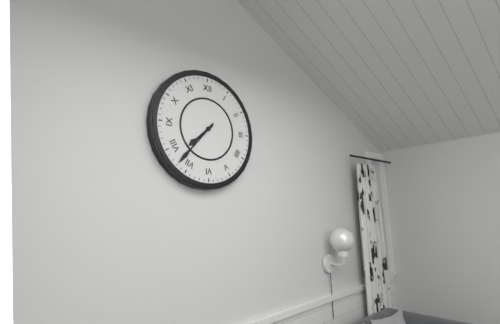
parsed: **7:37**
